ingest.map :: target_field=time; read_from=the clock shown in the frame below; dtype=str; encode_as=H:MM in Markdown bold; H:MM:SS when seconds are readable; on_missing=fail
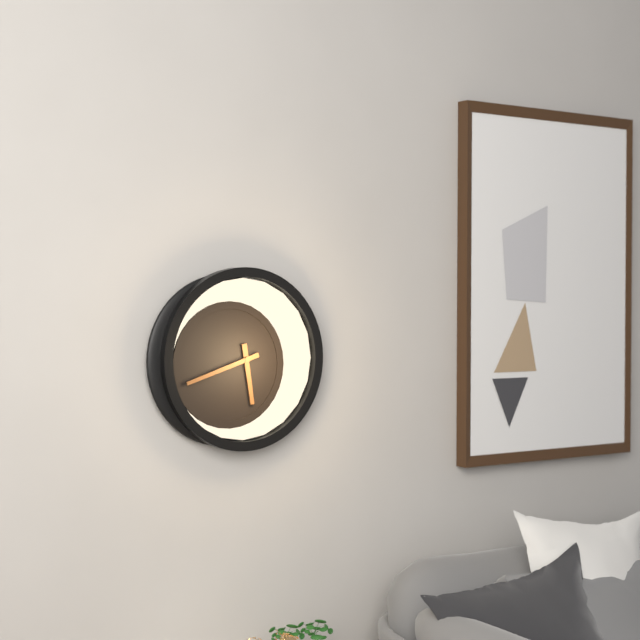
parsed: **5:42**
